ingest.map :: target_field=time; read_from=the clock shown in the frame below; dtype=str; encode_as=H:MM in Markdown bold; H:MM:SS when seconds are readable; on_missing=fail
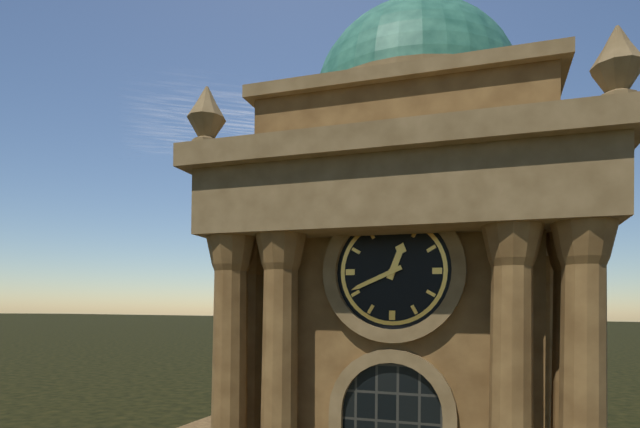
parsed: **12:41**
